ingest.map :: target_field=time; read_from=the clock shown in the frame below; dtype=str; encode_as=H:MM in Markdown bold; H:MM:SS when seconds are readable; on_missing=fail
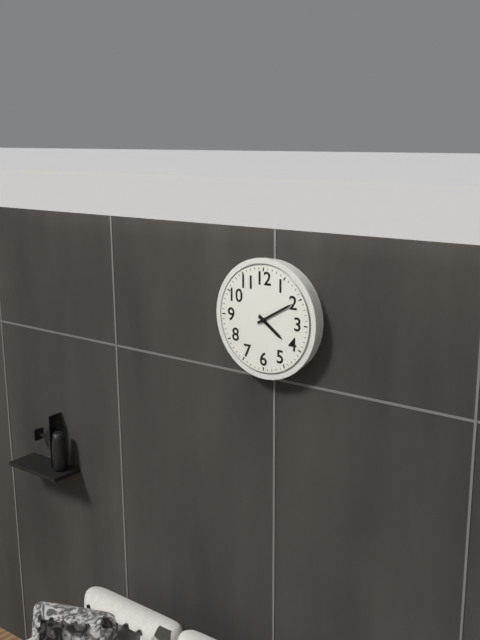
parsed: **4:10**
